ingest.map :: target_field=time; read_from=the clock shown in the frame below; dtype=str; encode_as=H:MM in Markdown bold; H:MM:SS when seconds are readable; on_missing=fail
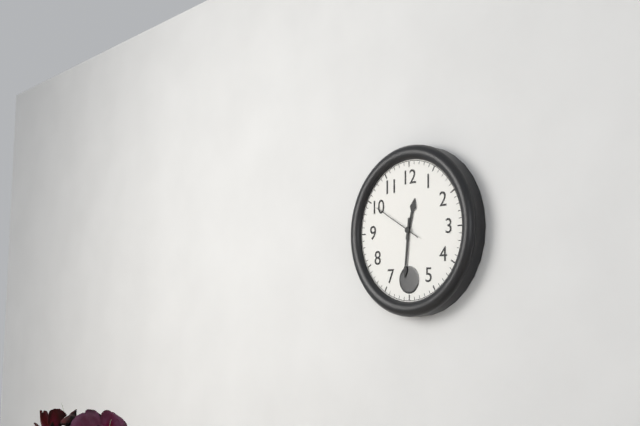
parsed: **12:31**
